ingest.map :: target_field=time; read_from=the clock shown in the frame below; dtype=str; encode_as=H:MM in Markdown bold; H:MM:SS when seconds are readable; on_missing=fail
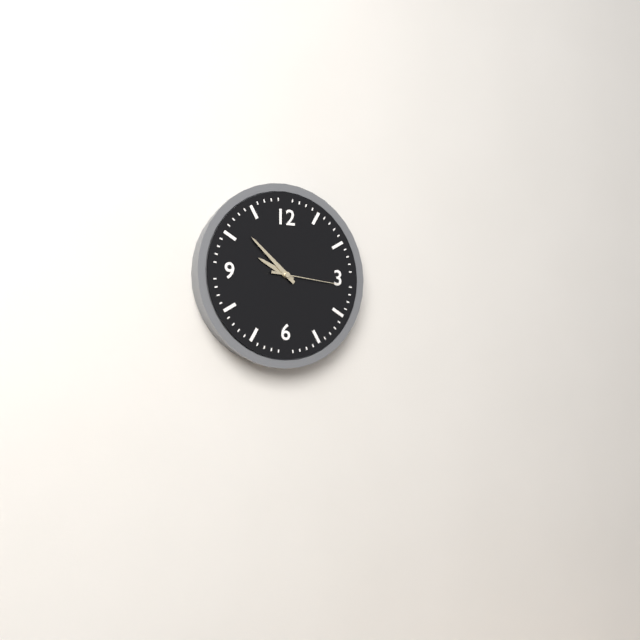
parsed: **9:52:16**
